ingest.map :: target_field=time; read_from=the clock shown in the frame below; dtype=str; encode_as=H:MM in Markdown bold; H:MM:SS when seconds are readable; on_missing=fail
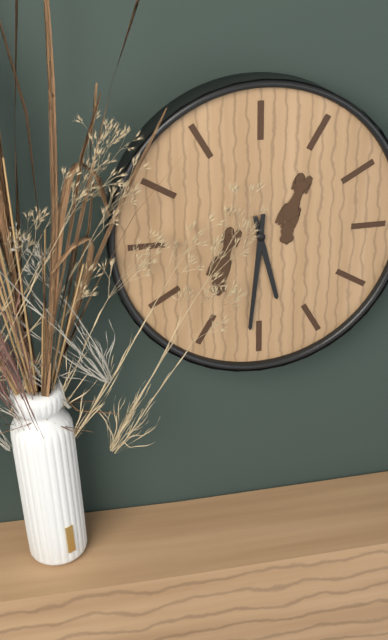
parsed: **5:31**
